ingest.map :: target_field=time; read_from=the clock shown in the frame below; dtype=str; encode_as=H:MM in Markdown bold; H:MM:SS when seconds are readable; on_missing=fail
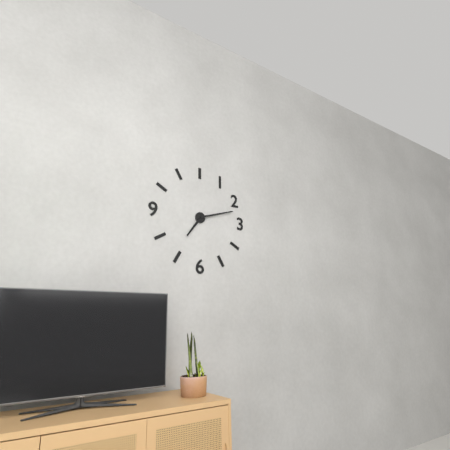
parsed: **7:12**
